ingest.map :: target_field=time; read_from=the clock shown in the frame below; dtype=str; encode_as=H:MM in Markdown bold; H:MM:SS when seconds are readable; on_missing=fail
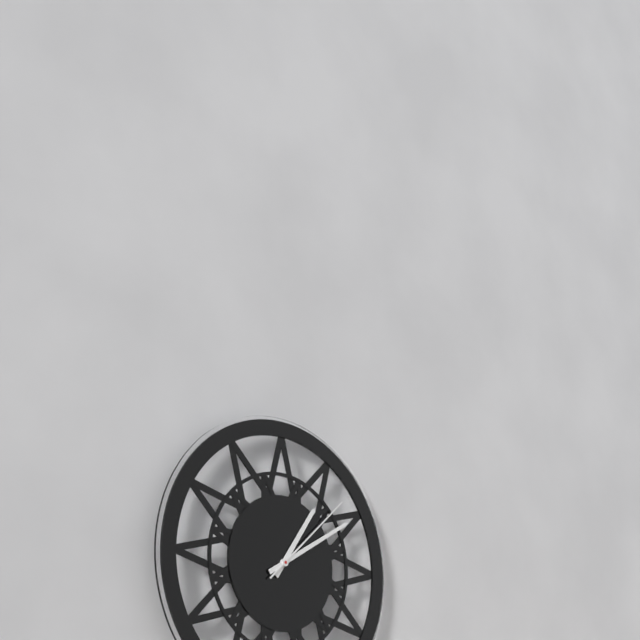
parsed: **1:10:08**
